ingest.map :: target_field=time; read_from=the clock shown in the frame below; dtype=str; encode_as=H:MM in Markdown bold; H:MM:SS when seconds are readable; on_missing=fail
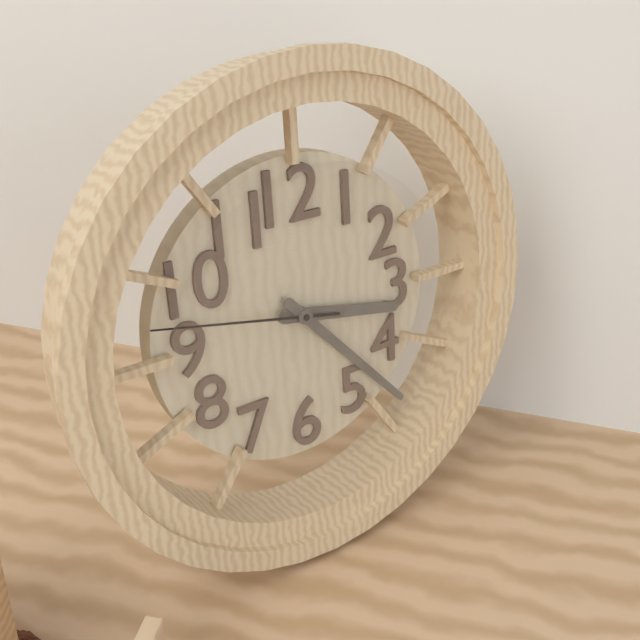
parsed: **3:23:47**
